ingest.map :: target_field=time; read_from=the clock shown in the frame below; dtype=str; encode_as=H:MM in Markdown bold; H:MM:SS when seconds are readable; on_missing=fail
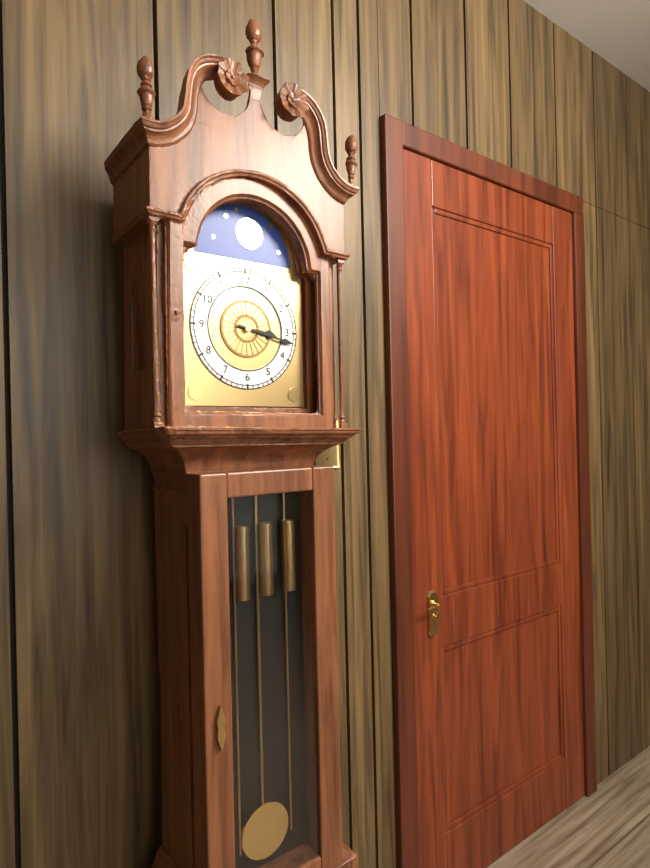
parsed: **3:17**
